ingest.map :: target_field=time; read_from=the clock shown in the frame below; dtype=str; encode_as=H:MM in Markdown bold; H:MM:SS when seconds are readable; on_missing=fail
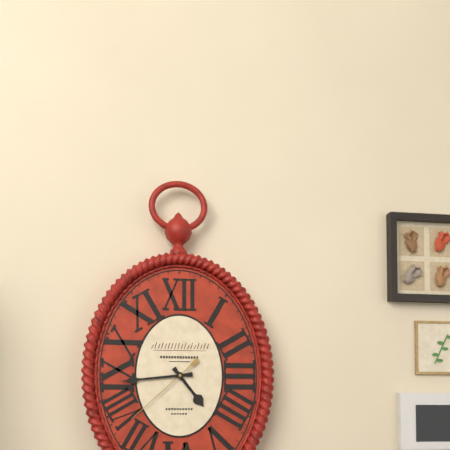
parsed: **4:44:38**
